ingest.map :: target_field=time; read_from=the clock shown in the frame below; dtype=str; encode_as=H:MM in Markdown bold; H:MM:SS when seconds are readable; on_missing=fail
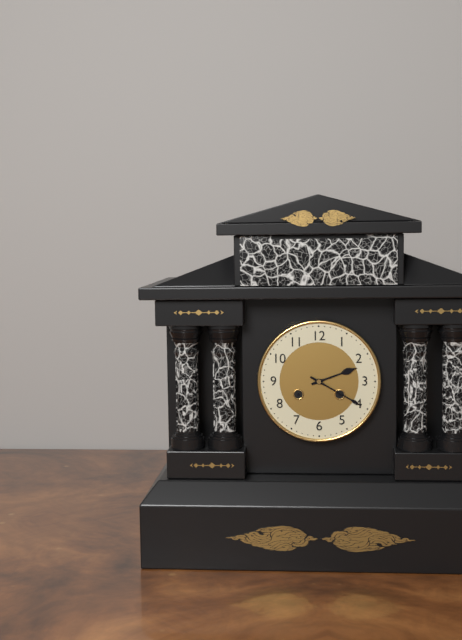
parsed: **2:20**
